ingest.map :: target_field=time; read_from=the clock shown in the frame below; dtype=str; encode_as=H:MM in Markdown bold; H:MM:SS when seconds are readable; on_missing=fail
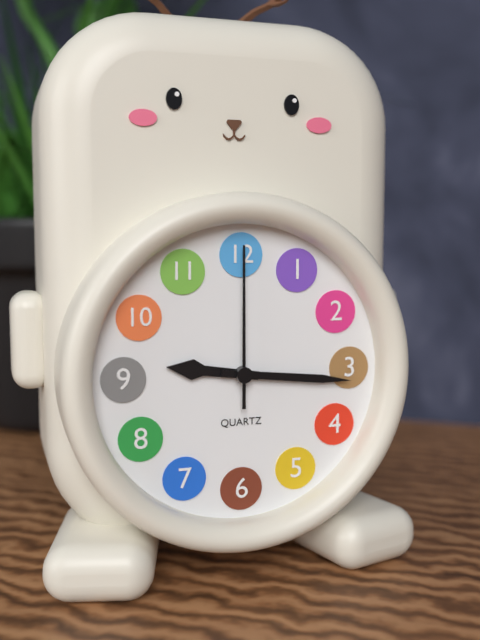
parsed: **9:16:00**
